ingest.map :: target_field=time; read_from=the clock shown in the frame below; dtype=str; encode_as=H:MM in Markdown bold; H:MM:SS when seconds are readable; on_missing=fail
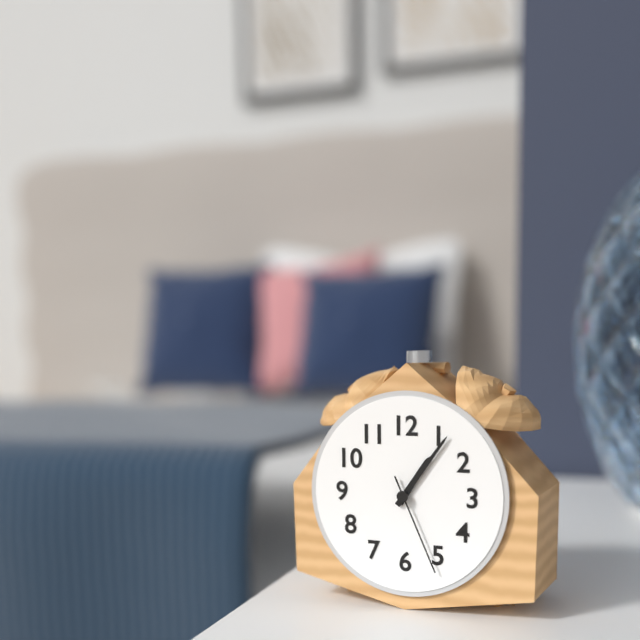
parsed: **1:06:26**
